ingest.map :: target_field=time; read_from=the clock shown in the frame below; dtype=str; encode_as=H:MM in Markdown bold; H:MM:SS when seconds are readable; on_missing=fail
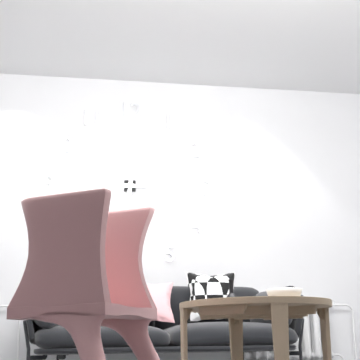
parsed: **3:01**
